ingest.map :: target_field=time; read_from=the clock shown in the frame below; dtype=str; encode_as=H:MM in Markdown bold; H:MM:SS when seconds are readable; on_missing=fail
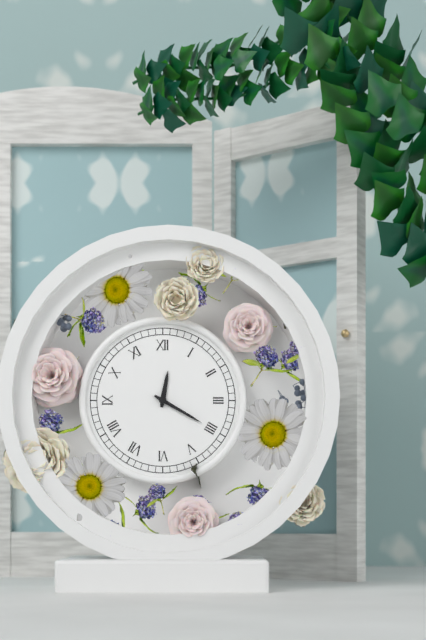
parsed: **12:20**
